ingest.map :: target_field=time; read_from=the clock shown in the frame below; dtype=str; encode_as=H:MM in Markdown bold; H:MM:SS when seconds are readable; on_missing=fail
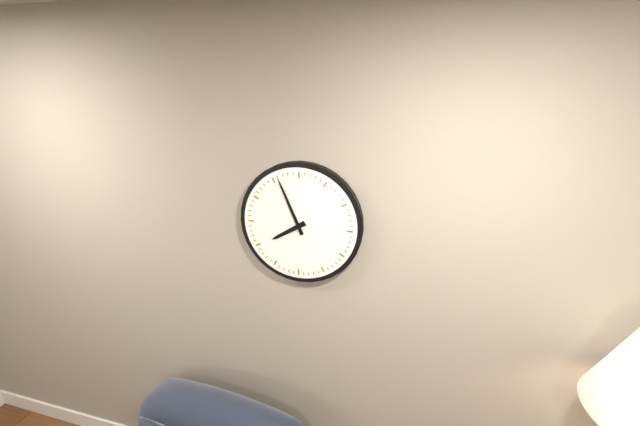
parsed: **7:56**
